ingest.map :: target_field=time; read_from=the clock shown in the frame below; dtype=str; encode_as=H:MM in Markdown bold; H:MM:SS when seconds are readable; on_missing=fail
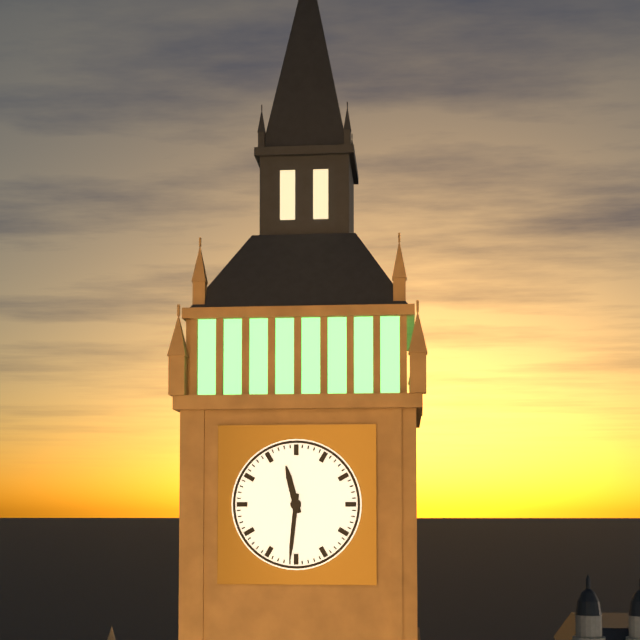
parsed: **11:31**
